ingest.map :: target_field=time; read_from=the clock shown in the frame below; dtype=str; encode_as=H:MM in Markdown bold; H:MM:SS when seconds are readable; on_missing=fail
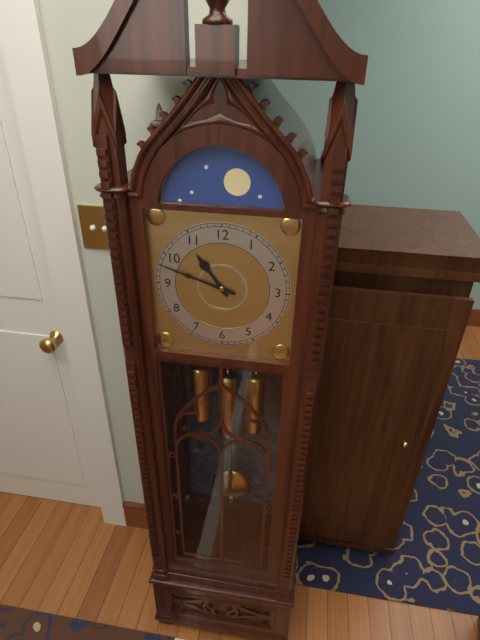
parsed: **10:48**
